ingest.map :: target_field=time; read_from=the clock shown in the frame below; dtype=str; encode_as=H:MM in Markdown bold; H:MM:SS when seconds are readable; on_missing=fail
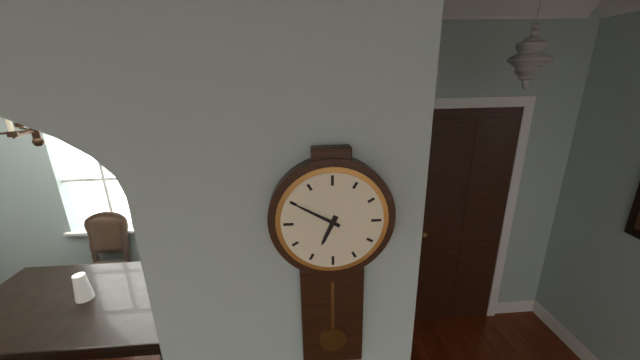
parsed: **6:50**
